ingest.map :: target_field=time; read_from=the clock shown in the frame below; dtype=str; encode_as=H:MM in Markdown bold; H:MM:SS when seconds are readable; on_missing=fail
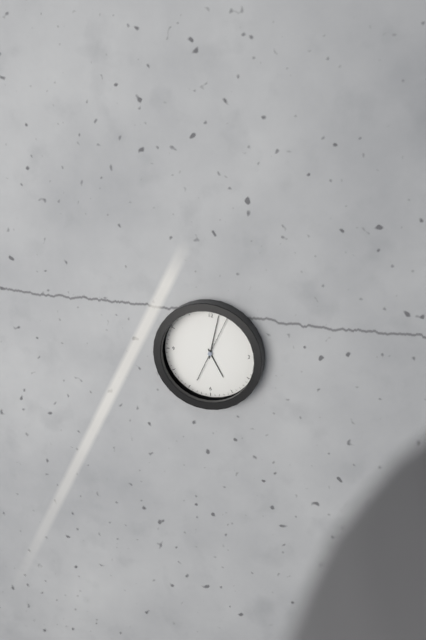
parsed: **5:02:04**
